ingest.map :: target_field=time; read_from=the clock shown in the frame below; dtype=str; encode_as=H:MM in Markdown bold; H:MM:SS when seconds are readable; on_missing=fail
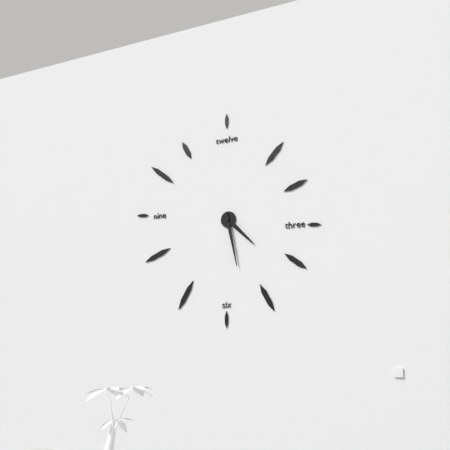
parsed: **4:28**
